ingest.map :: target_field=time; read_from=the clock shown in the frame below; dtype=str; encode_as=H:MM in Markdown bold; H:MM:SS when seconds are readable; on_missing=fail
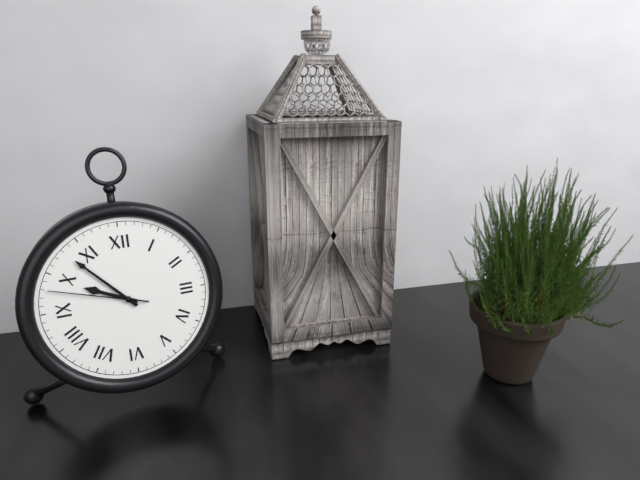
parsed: **9:53:48**
